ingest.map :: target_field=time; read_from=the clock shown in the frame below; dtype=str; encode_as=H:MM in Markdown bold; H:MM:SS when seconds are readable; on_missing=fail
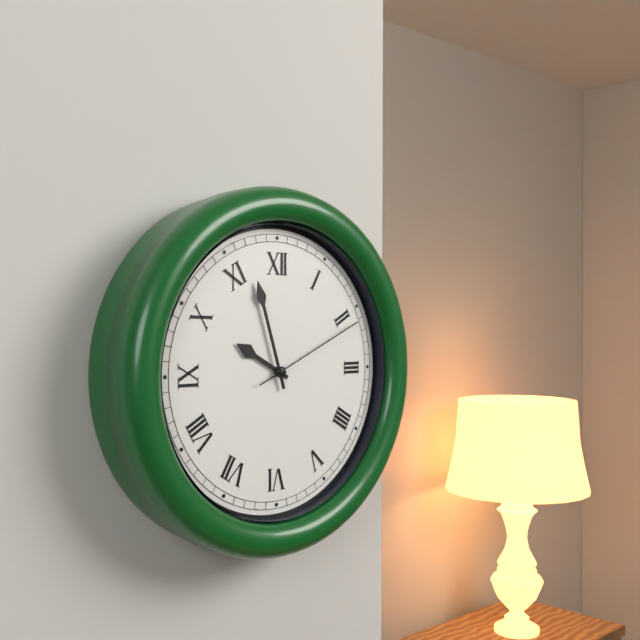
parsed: **9:57:11**
